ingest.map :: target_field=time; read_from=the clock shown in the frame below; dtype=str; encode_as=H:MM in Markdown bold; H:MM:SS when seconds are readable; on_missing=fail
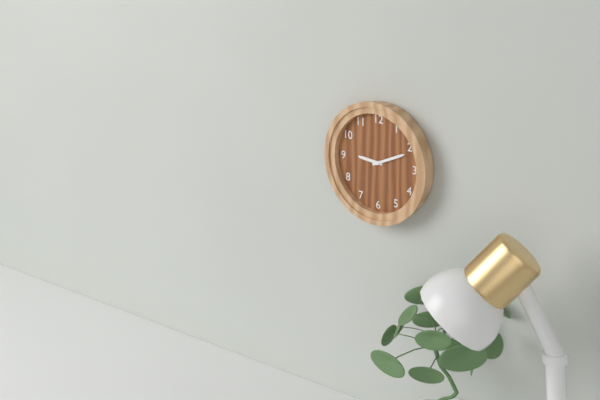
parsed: **9:11**
